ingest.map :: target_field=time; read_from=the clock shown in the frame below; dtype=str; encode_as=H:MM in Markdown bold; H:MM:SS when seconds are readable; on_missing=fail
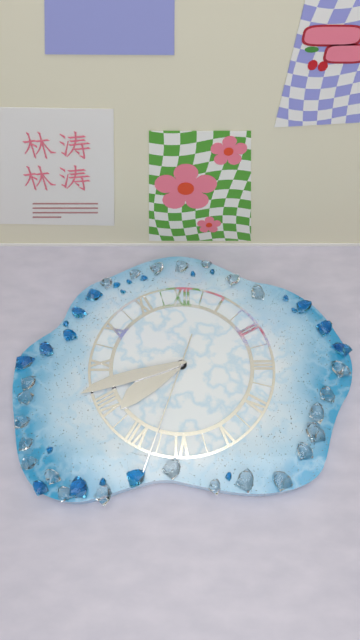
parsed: **7:42:33**
